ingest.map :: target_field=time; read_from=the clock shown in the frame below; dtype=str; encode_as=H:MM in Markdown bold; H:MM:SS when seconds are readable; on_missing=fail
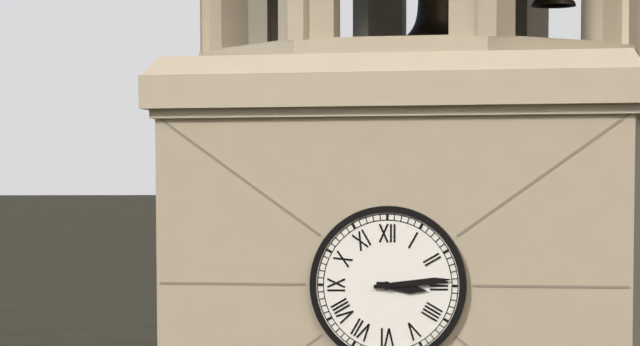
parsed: **3:14**
